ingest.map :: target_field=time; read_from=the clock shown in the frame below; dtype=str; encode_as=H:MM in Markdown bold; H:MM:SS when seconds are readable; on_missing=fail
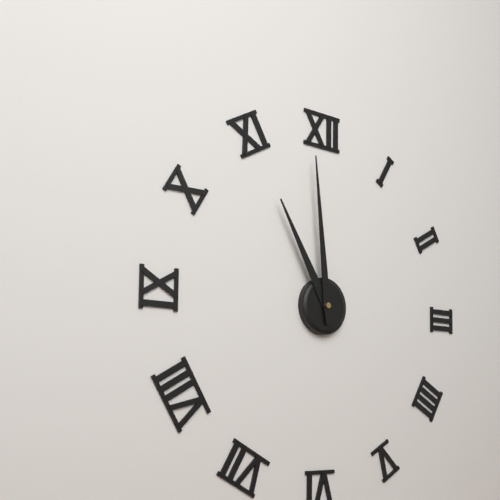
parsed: **10:59**
